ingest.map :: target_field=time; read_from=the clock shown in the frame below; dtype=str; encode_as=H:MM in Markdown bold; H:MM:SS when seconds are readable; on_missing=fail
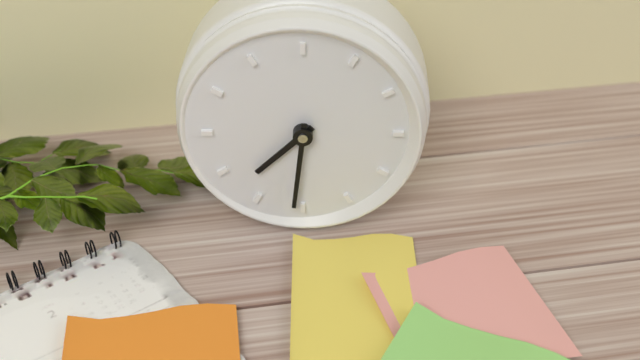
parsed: **7:31**
